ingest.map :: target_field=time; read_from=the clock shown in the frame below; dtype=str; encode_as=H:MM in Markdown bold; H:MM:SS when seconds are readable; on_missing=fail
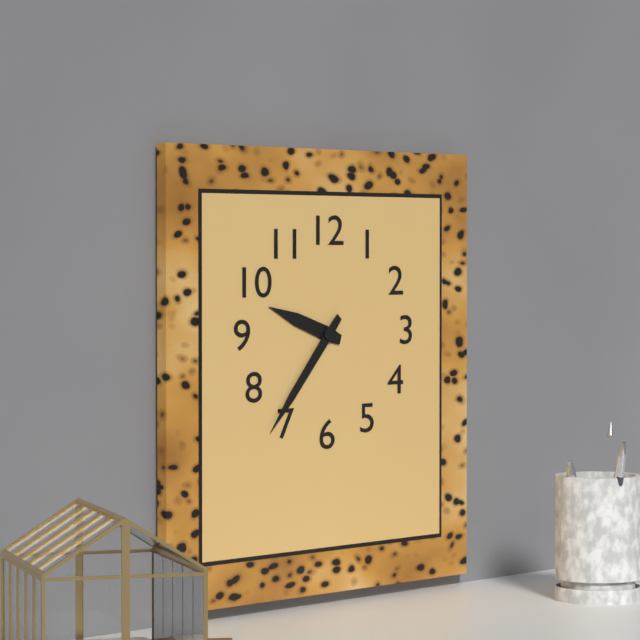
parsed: **9:37**
